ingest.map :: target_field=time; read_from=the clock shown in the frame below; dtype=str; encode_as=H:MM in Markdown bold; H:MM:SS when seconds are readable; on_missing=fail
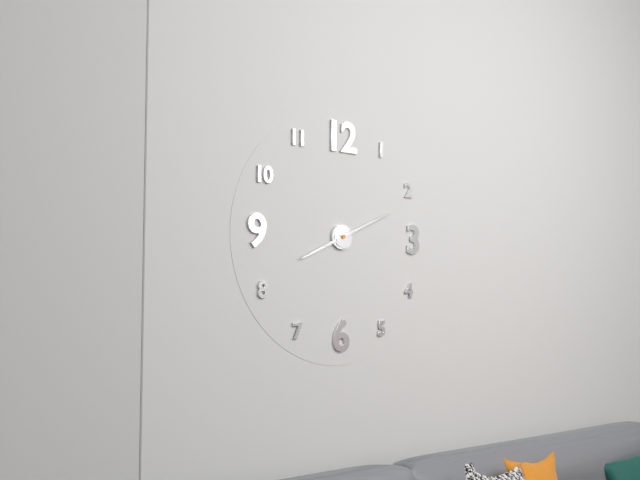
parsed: **8:11**
